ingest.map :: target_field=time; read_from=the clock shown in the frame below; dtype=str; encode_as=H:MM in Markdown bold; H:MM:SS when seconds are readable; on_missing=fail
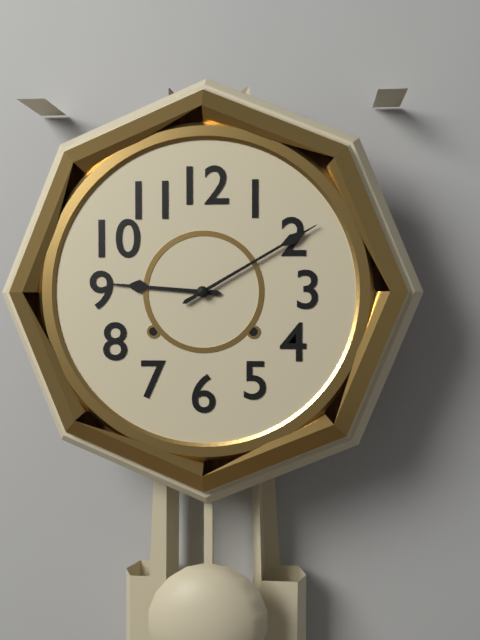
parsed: **9:10**
